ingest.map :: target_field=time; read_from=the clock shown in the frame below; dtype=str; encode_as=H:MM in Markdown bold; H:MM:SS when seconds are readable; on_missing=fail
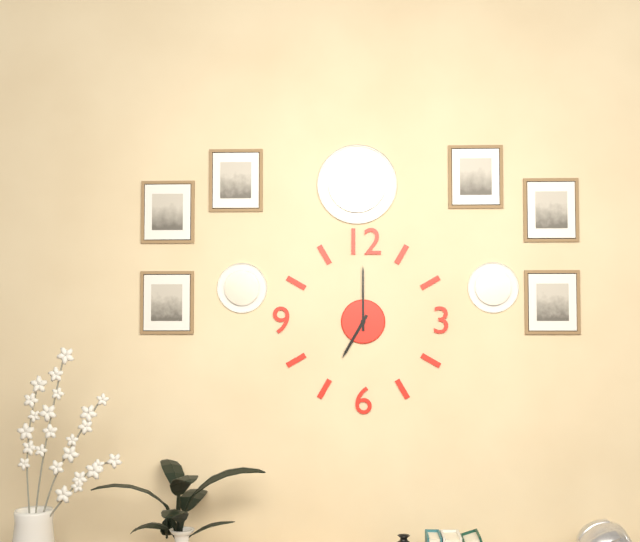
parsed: **7:00**
